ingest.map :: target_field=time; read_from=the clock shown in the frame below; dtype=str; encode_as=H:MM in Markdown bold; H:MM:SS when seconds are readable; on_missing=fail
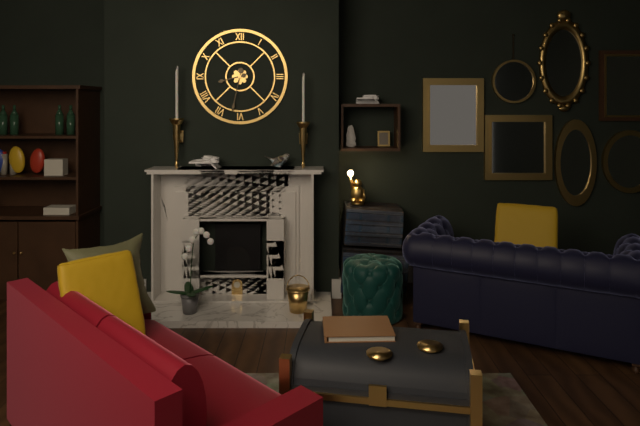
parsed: **8:32**
